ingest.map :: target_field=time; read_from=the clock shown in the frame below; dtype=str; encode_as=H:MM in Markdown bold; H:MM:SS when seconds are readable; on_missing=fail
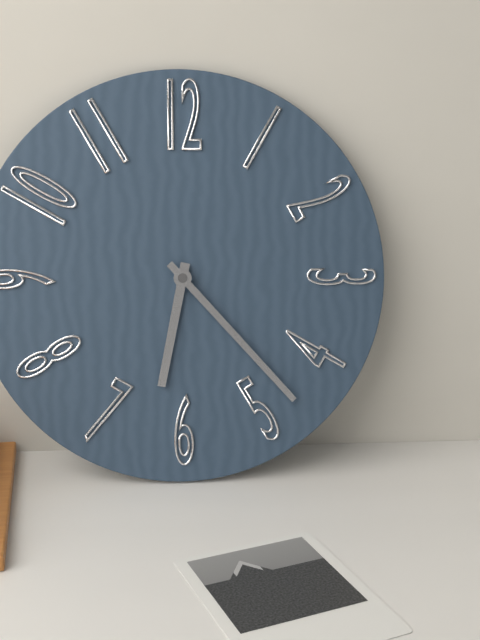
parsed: **6:23**
